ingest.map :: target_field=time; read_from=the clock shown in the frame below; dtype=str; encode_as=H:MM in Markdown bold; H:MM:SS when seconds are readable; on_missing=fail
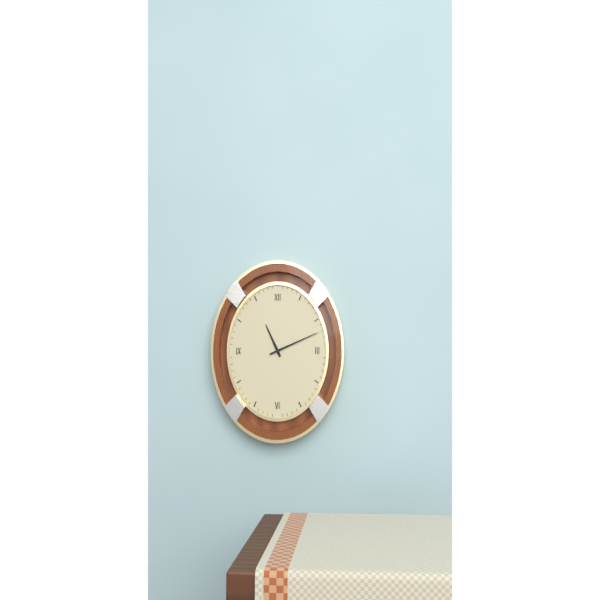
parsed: **11:11**
